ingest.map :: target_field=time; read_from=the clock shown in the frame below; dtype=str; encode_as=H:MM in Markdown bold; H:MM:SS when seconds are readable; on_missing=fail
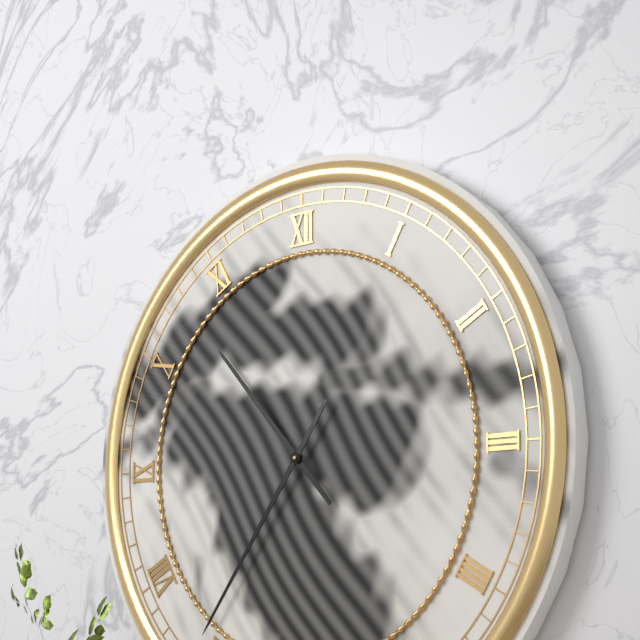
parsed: **10:36**
